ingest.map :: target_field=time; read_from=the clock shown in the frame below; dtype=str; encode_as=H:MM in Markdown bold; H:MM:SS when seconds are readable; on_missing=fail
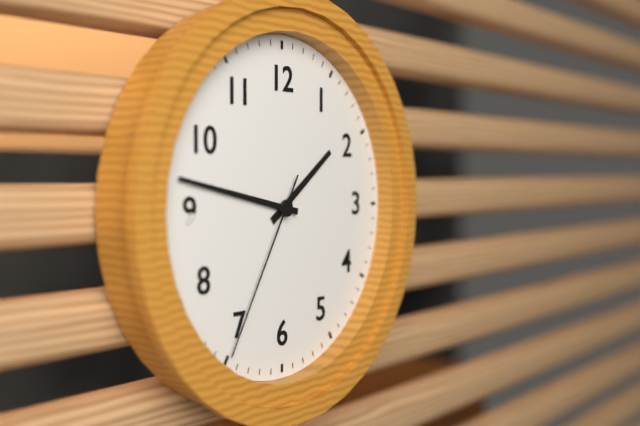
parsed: **1:47:35**
